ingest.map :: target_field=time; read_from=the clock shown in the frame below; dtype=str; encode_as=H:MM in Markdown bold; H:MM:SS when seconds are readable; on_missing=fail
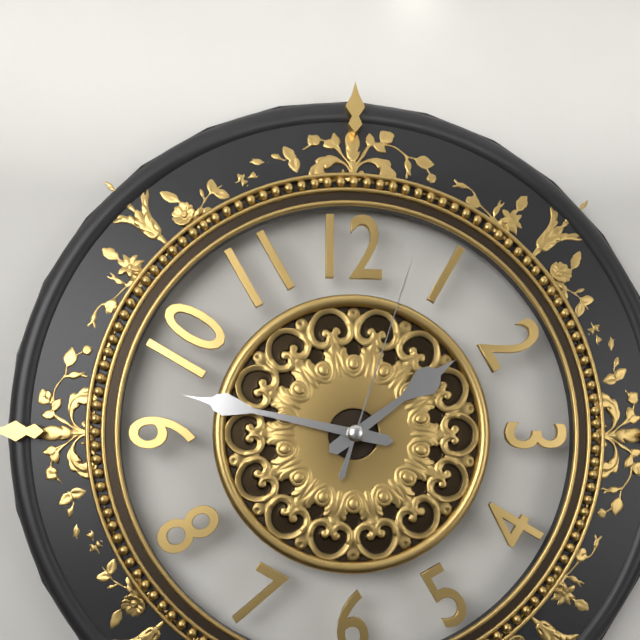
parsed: **1:47:03**
